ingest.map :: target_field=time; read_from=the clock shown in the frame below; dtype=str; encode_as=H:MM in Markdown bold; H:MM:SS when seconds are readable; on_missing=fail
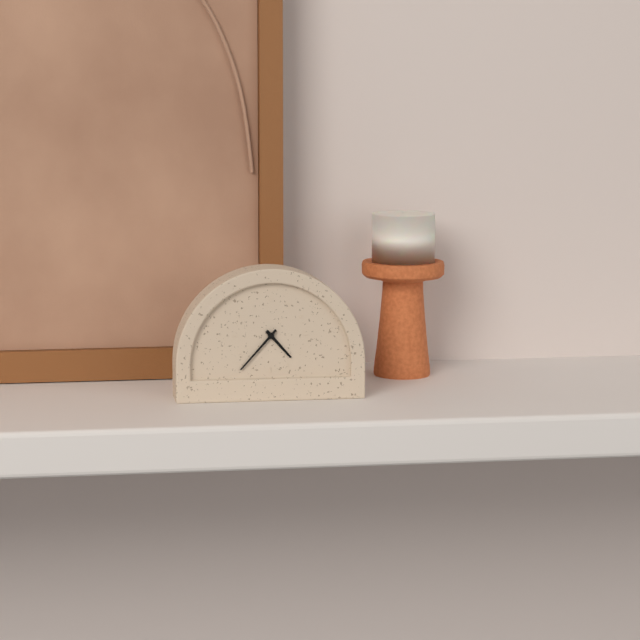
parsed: **4:37**
